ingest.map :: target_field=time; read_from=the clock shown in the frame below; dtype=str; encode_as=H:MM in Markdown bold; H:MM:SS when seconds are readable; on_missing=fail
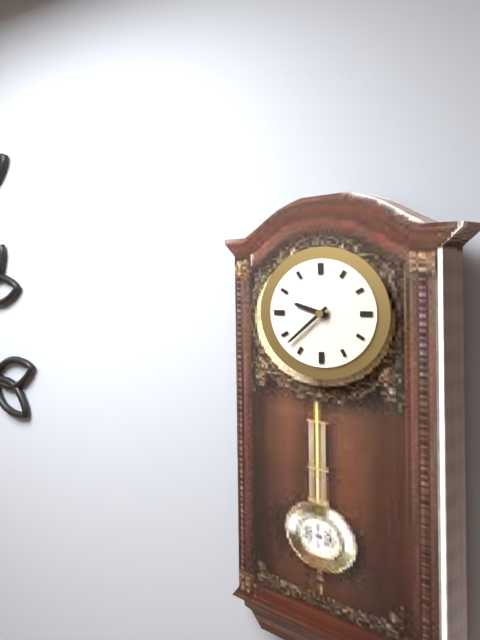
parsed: **9:38**
